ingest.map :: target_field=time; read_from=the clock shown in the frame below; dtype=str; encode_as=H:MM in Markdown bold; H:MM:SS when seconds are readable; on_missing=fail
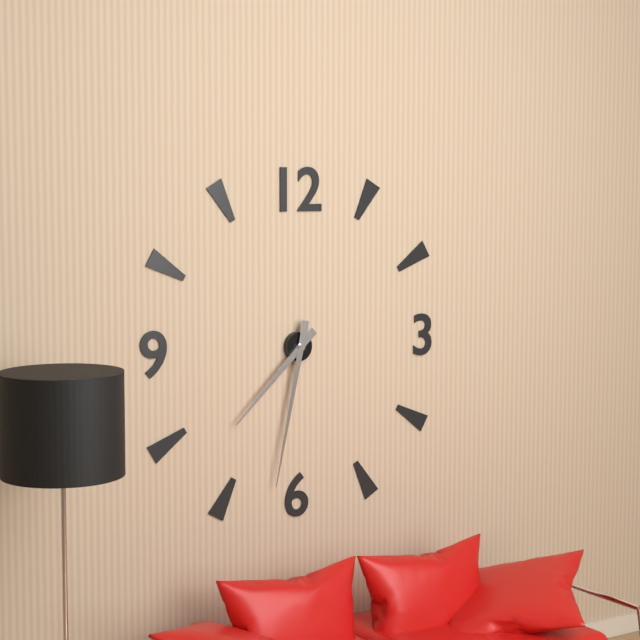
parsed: **7:32**
